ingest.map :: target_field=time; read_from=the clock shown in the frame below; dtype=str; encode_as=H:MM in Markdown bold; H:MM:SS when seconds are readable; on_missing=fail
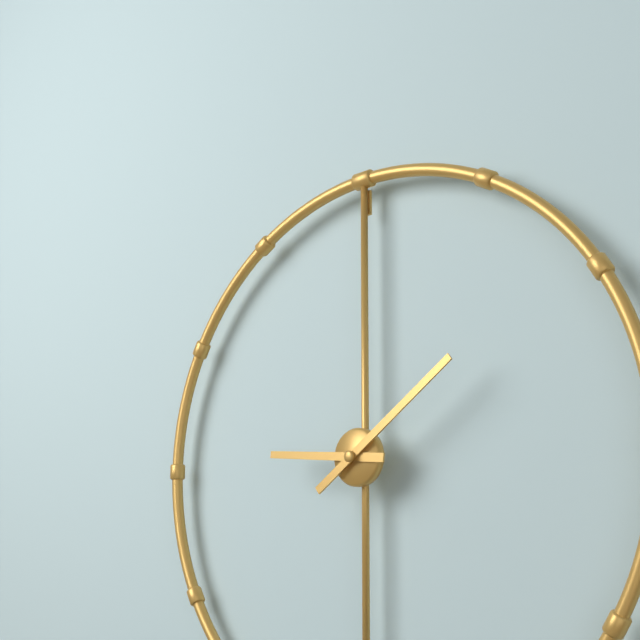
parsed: **9:09**
